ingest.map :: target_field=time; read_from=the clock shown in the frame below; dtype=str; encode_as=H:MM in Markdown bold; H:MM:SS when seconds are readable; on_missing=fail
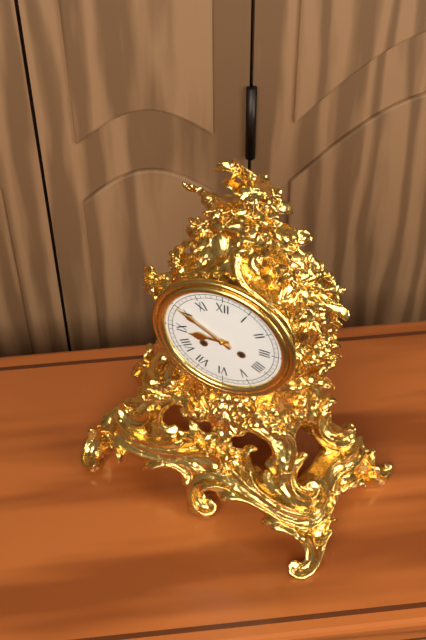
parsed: **8:50**
